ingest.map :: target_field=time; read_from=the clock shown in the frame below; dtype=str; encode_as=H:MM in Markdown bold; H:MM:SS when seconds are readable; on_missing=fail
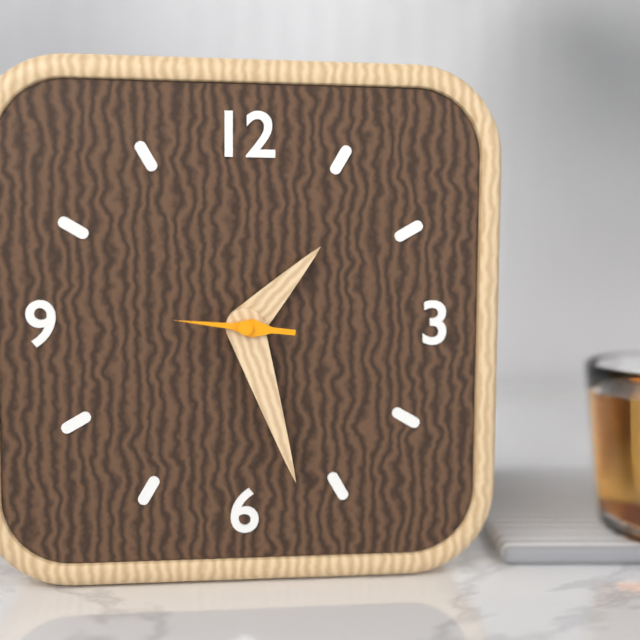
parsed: **1:27:46**
